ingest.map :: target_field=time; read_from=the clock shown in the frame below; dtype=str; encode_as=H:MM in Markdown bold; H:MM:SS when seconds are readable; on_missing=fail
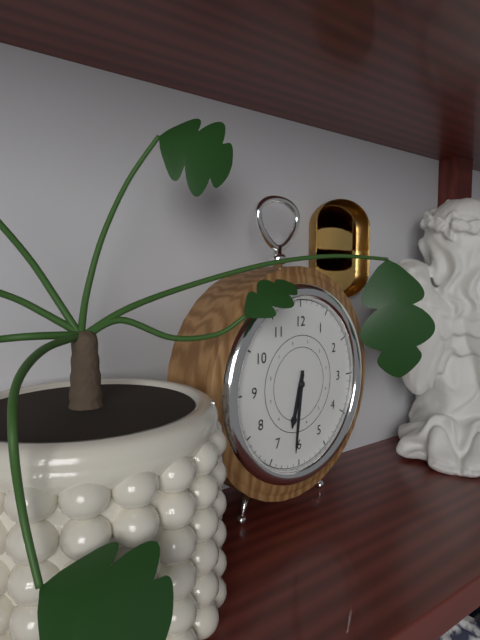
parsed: **6:31**
